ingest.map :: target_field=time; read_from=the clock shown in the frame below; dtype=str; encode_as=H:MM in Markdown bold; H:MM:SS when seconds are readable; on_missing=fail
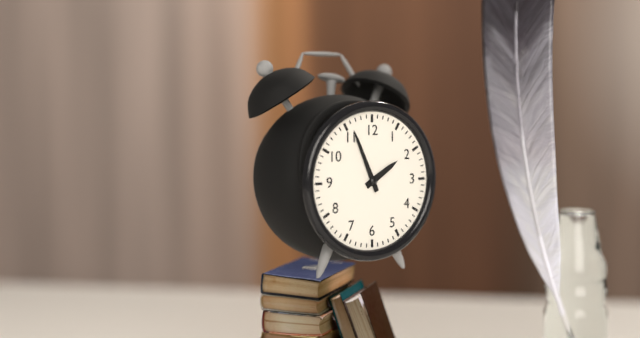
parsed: **1:56**
